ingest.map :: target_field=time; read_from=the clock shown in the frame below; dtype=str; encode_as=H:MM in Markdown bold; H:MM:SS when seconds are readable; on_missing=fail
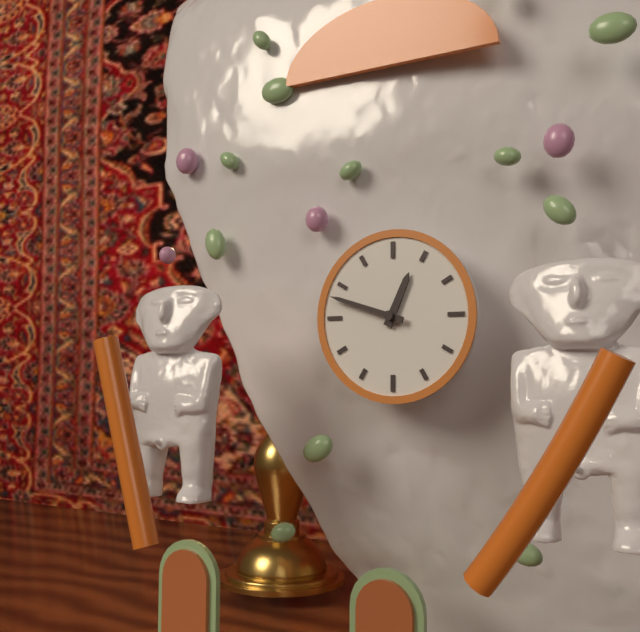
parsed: **12:48**
